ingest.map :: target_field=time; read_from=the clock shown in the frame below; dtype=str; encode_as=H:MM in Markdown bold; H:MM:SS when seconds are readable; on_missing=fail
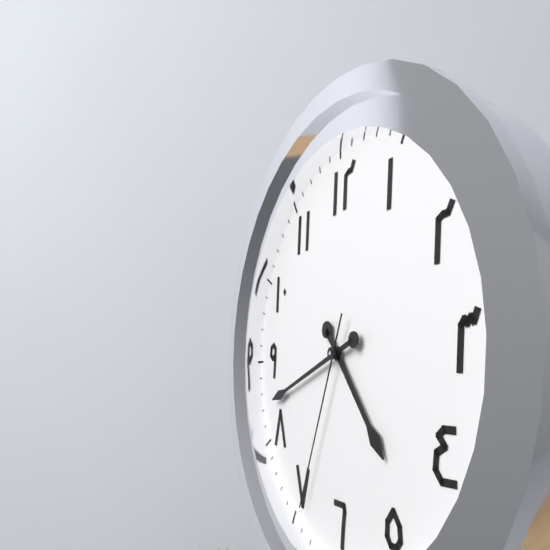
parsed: **4:42:34**
